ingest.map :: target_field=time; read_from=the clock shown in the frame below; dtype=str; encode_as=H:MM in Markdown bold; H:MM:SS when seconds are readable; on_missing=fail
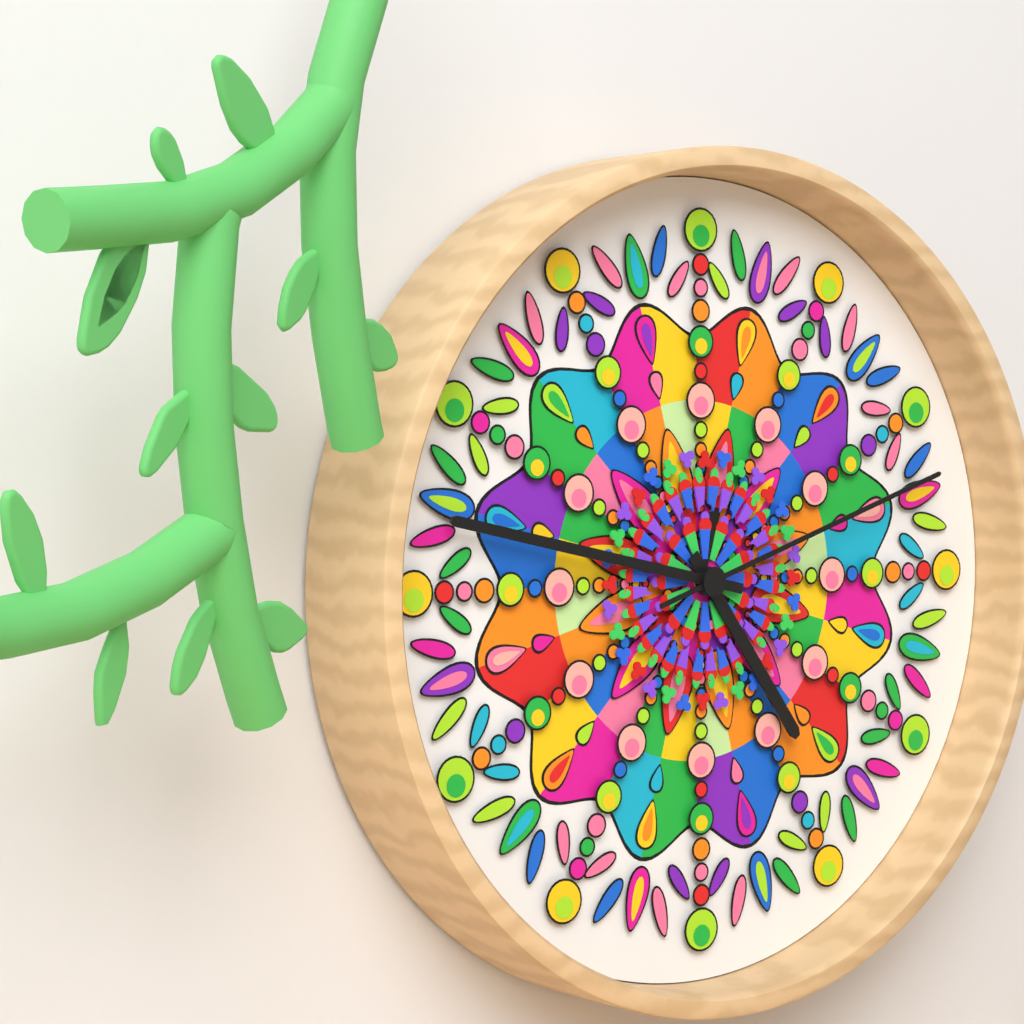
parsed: **4:47:12**
